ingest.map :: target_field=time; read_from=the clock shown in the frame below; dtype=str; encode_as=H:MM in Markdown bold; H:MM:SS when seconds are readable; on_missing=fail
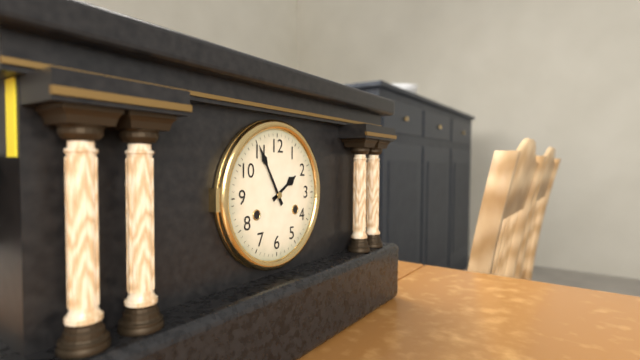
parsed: **1:55**
